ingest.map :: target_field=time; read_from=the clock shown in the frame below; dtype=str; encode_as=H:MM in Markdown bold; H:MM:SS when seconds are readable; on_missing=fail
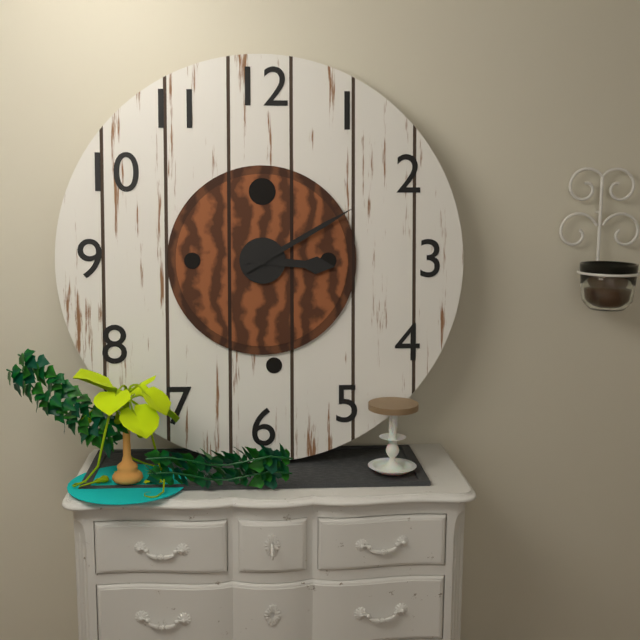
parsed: **3:10**
